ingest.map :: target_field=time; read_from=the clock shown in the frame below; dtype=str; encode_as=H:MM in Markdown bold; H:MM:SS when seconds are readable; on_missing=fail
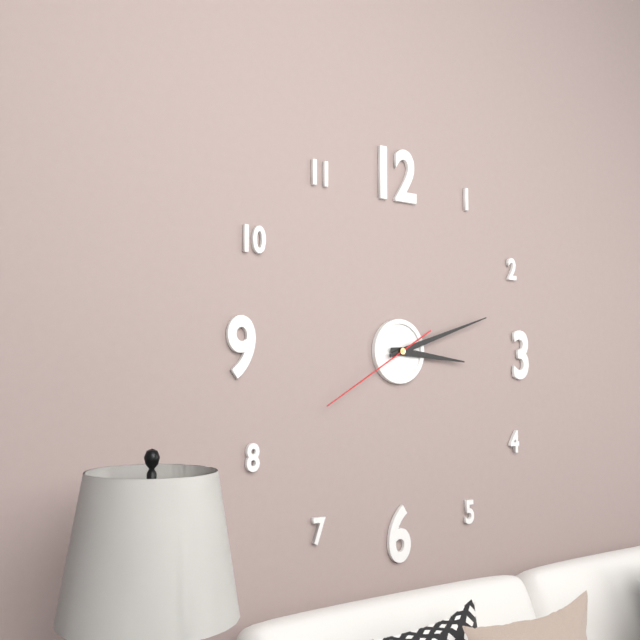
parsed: **3:12:40**
